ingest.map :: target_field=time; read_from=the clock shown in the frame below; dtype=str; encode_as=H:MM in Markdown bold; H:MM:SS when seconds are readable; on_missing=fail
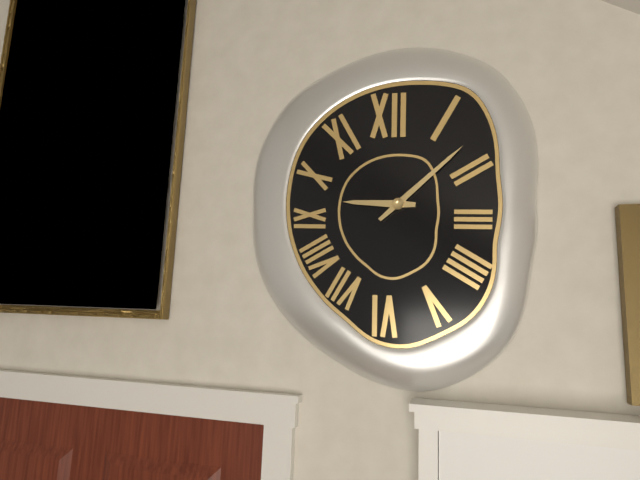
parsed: **9:08**
